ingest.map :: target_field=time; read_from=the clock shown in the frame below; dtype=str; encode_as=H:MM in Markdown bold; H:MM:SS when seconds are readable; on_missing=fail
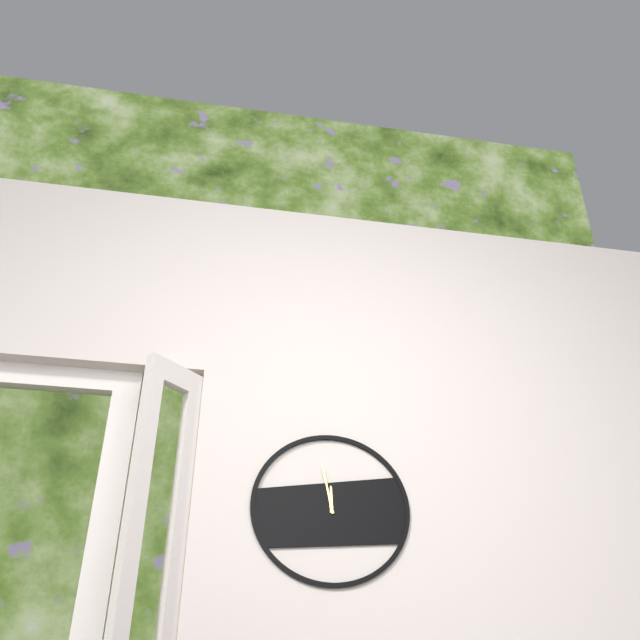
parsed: **11:58**
